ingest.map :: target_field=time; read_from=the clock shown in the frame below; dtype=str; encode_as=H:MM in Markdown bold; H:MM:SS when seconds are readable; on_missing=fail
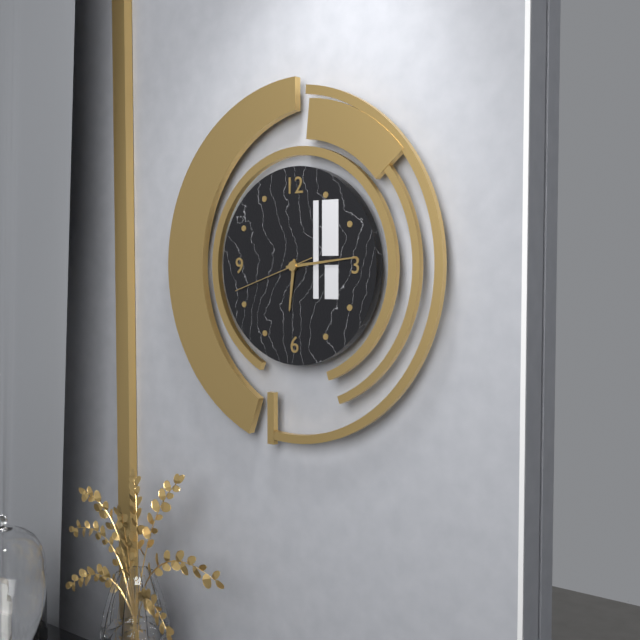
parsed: **6:14:42**
